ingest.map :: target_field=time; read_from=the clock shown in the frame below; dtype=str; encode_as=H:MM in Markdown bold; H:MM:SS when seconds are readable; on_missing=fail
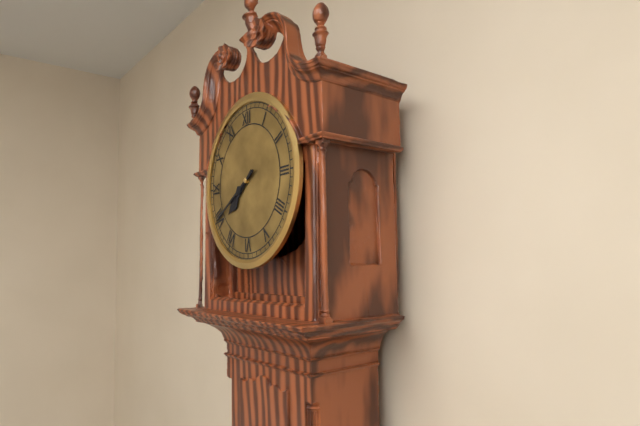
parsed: **7:40**
